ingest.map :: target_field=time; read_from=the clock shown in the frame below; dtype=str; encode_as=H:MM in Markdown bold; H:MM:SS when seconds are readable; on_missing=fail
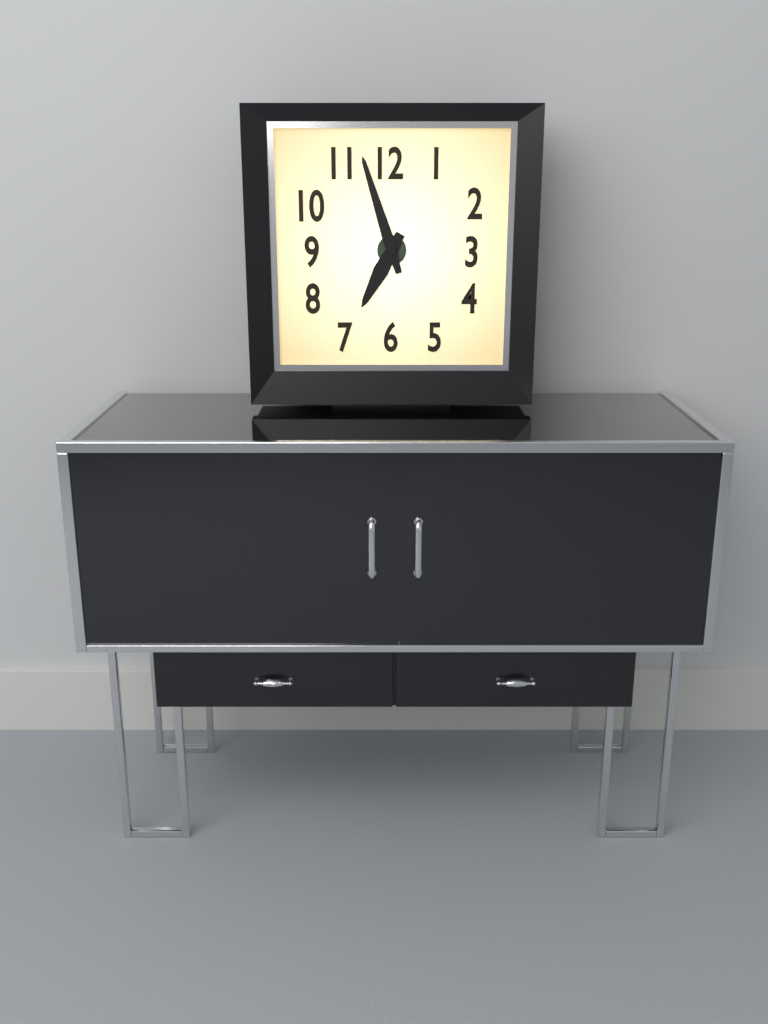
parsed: **6:57**
